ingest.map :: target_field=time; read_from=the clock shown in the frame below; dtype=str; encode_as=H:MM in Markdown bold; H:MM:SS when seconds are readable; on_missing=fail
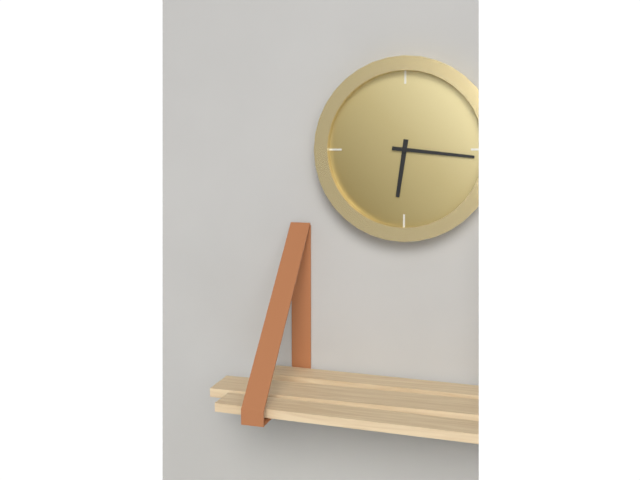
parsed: **6:16**
